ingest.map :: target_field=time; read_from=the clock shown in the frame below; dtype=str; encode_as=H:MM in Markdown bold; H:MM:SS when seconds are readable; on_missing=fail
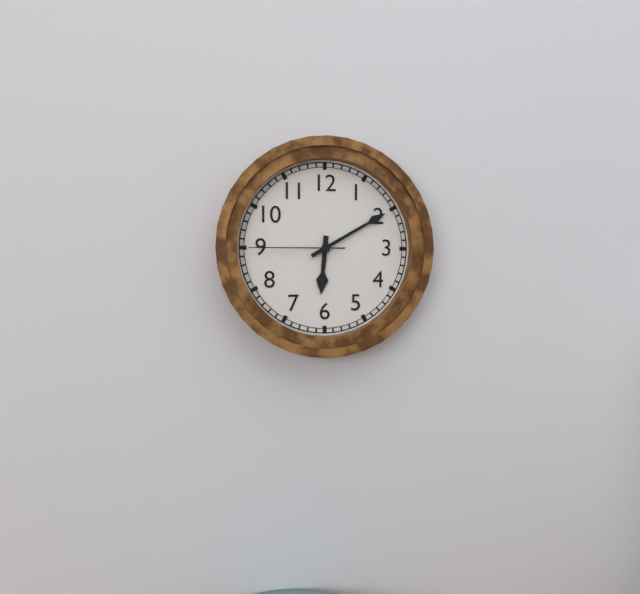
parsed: **6:10:45**
